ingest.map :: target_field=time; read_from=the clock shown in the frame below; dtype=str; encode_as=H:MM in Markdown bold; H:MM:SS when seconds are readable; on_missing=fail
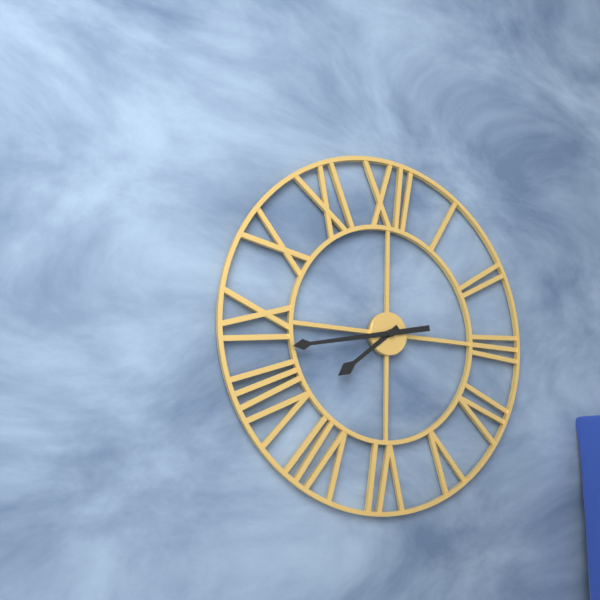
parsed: **7:43**
